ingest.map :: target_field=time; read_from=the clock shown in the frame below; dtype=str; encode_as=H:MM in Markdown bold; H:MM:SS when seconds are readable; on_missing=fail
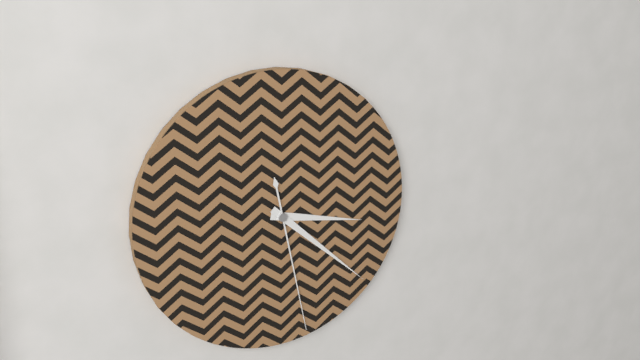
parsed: **3:22:28**
